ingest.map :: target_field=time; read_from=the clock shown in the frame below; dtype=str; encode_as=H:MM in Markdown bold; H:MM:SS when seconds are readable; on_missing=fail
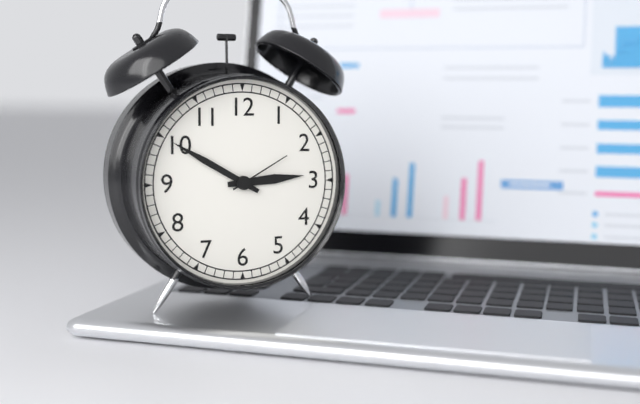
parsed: **2:50:10**
